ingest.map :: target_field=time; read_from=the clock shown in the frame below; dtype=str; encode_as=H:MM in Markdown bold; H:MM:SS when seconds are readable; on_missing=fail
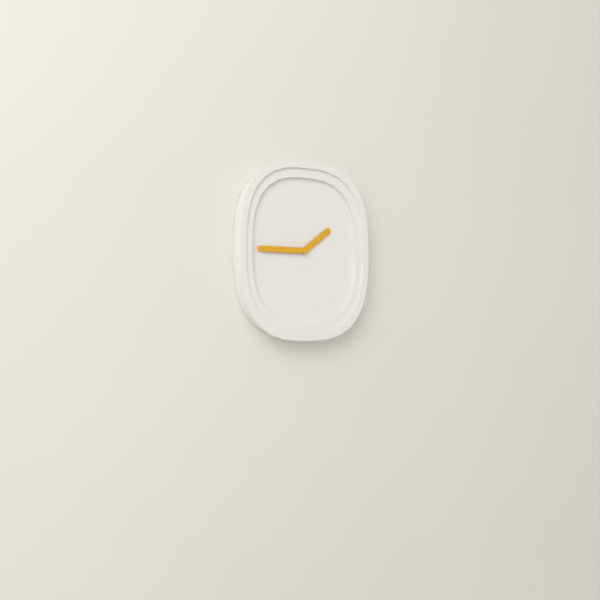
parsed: **1:45**
